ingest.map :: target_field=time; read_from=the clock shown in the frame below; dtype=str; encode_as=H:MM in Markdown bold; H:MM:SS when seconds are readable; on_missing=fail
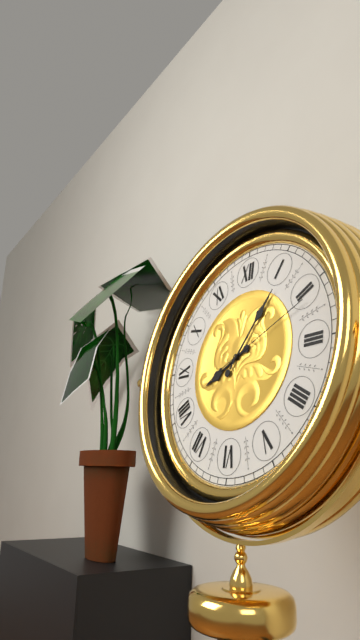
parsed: **8:06:11**
